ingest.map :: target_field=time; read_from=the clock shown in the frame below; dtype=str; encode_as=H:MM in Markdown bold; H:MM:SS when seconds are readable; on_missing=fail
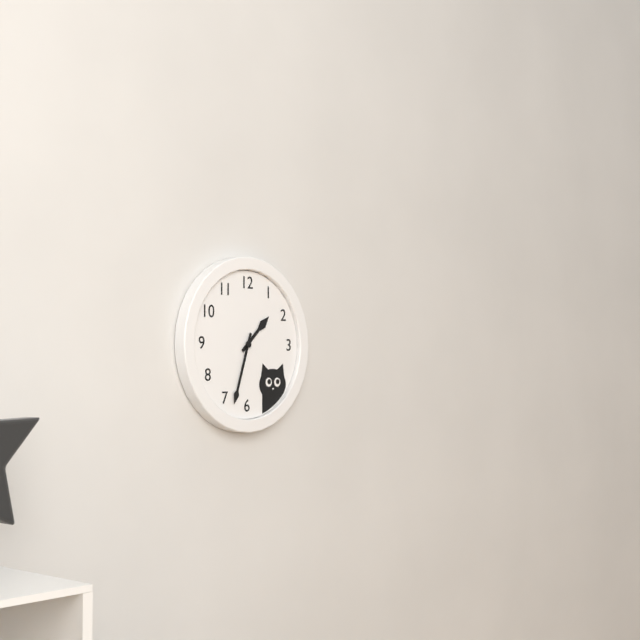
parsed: **1:33**
